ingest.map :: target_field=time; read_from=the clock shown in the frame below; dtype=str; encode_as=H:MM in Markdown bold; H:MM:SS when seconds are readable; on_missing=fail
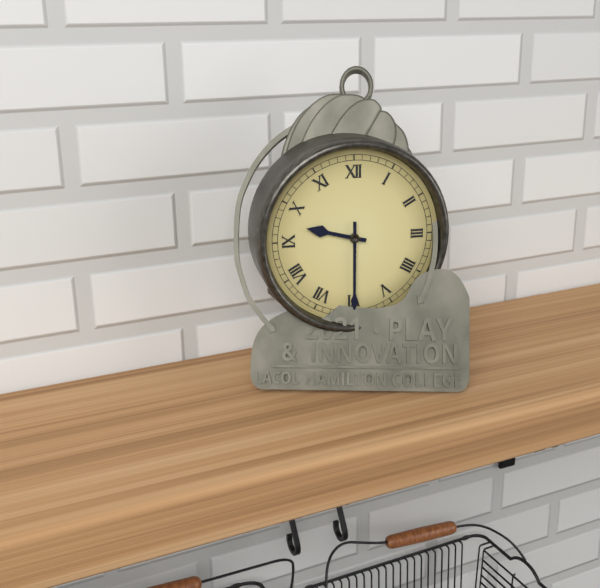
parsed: **9:30**
